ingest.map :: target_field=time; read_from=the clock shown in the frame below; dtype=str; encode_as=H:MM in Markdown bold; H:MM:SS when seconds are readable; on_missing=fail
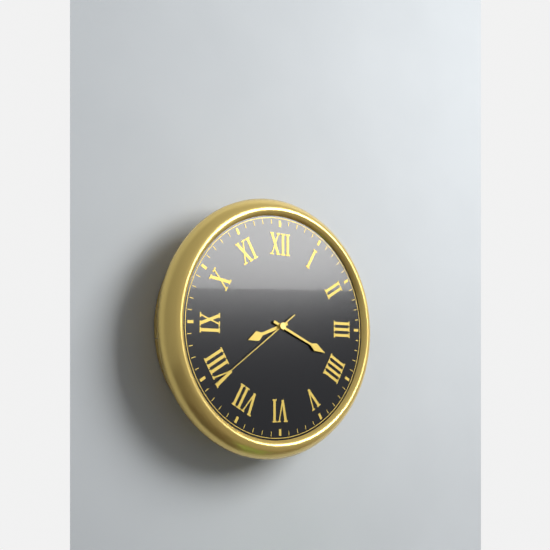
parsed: **8:19:39**
